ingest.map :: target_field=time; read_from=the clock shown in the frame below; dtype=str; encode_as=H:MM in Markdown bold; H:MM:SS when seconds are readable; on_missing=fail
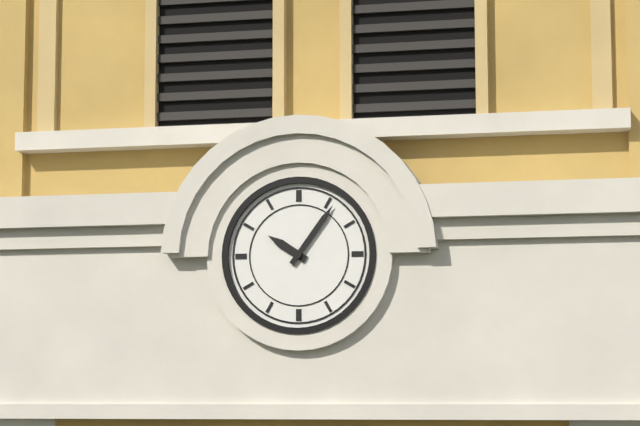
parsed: **10:06**
